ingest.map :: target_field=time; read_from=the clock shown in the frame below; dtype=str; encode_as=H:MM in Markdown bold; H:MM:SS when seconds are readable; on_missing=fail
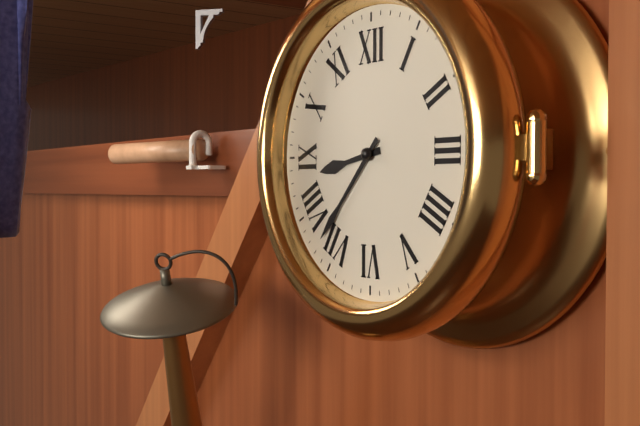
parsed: **8:37**
